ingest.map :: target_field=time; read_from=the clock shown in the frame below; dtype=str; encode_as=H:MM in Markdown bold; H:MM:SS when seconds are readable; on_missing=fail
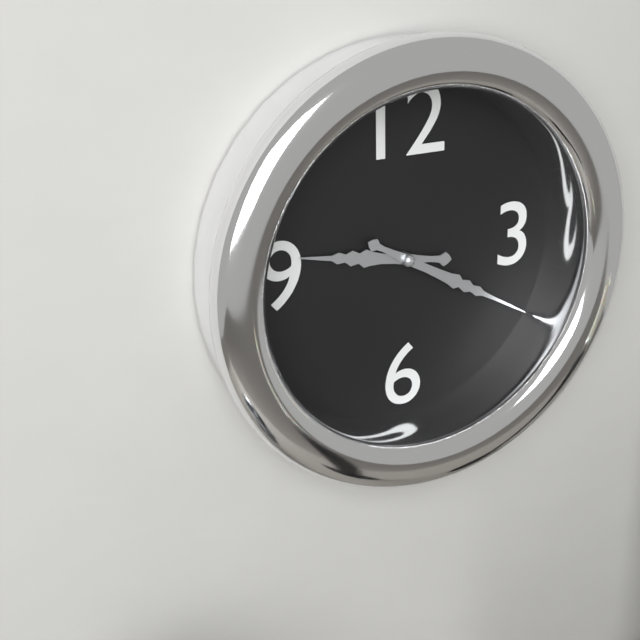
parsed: **9:20**
